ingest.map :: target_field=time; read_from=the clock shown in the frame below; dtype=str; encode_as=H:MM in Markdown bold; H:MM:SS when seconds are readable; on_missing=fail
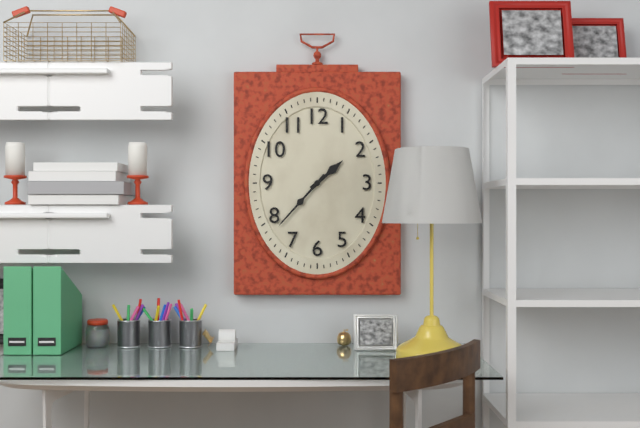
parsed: **1:37**
